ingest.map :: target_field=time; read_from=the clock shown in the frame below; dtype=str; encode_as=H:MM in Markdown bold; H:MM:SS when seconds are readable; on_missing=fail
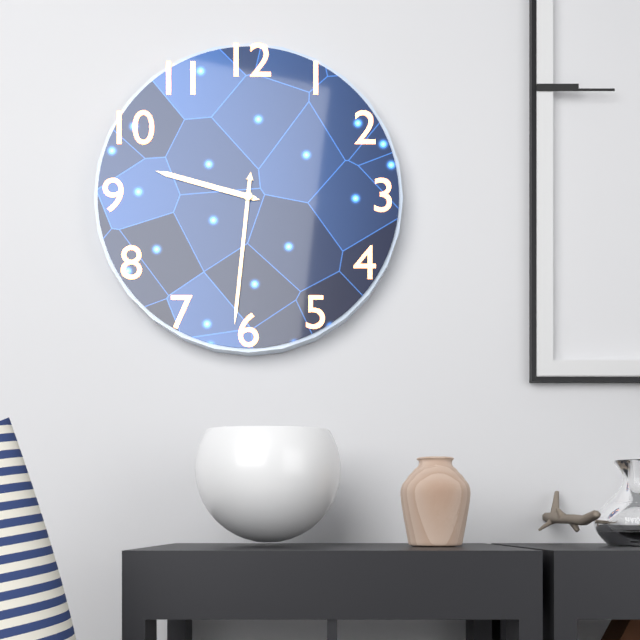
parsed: **9:31**
